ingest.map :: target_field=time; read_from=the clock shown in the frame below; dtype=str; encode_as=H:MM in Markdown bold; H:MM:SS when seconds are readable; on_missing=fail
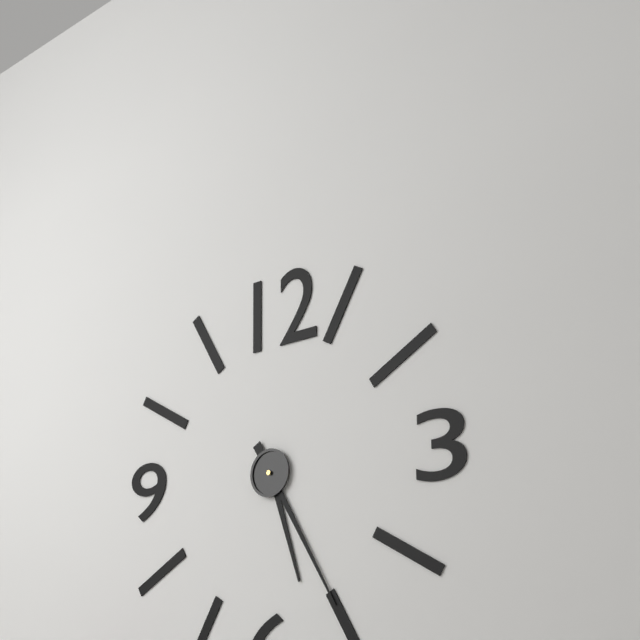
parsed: **5:25**
